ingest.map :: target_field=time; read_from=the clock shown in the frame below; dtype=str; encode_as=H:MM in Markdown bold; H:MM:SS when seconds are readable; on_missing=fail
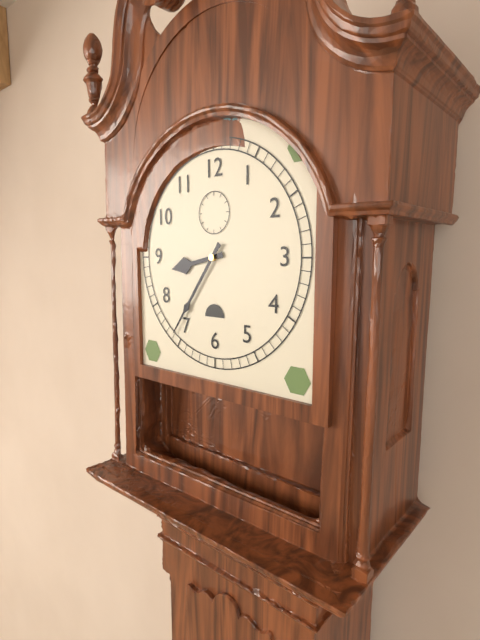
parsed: **8:36**
